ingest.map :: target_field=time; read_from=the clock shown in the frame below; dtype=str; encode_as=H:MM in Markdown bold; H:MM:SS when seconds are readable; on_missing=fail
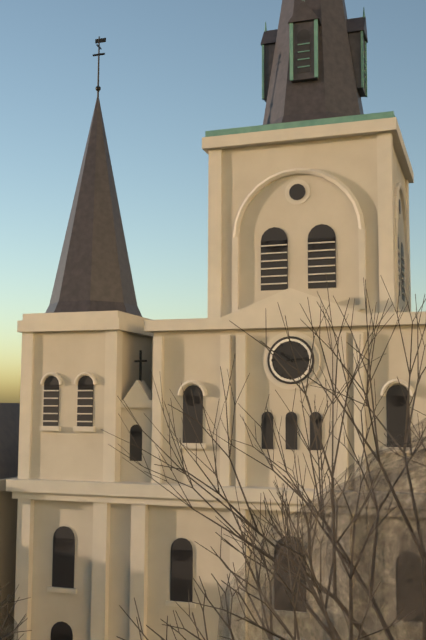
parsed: **10:14**
